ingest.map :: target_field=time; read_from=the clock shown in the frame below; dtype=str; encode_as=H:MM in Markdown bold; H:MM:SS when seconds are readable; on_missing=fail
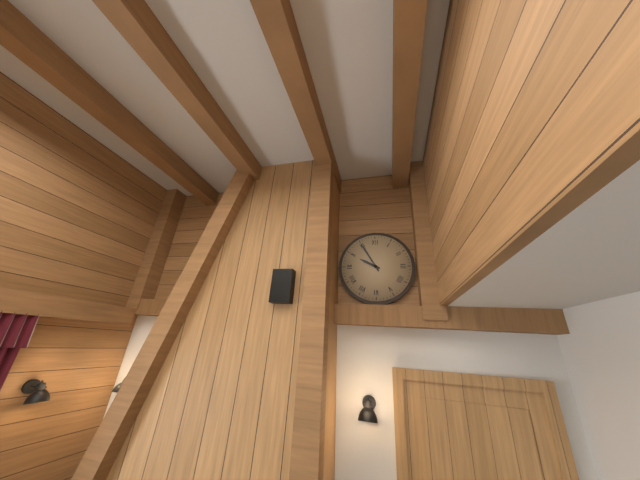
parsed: **9:55**
